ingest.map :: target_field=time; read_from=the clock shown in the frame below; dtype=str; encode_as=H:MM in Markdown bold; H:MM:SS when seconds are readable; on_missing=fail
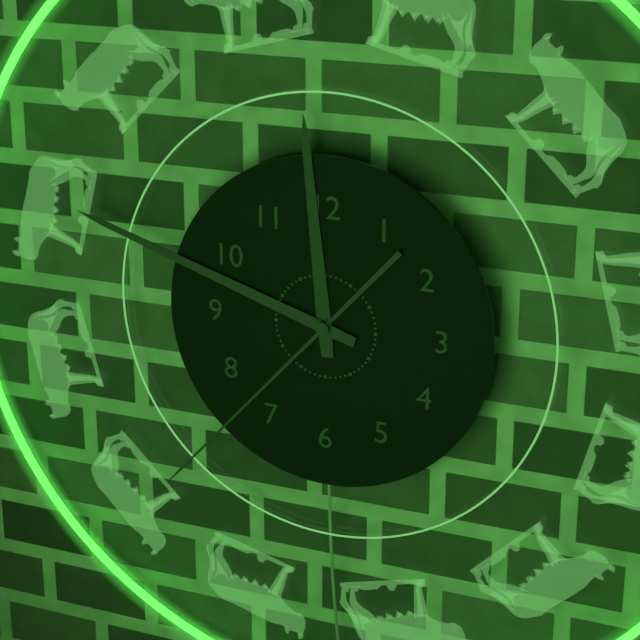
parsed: **11:48:37**
